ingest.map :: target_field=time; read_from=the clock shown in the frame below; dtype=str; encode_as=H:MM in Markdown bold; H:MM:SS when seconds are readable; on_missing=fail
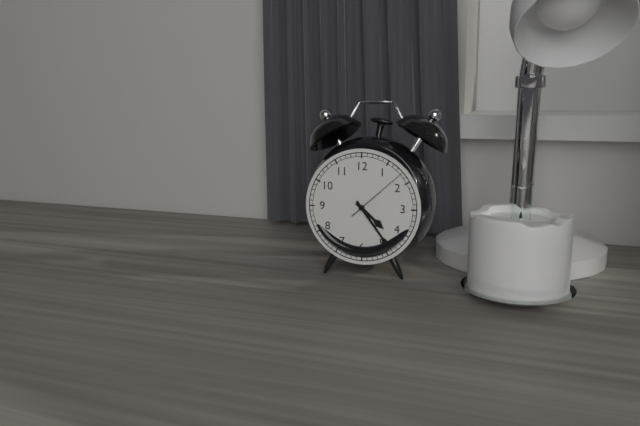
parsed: **4:24:08**
